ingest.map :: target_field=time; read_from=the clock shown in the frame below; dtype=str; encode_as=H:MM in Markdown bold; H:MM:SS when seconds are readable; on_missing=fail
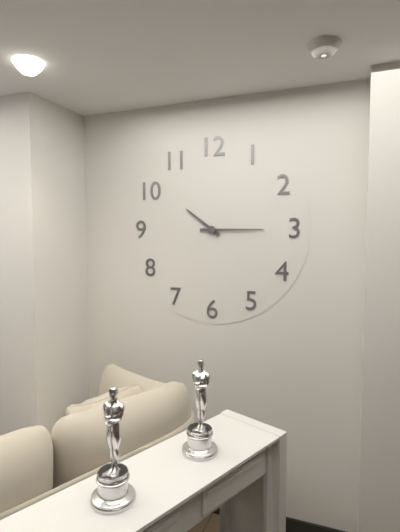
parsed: **10:15**
